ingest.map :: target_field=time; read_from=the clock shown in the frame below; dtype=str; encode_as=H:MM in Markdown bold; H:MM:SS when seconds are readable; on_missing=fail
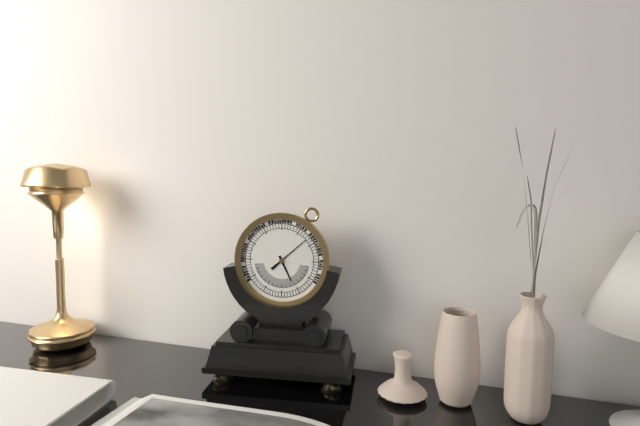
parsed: **5:08**
